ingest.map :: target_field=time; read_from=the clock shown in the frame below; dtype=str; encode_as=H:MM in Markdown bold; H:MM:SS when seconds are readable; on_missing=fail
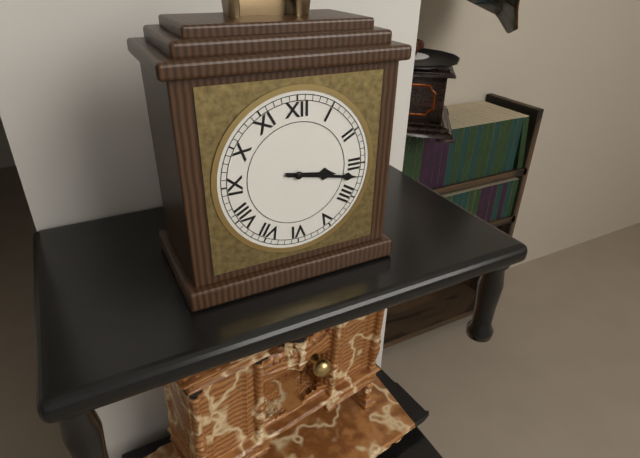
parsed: **3:17**
